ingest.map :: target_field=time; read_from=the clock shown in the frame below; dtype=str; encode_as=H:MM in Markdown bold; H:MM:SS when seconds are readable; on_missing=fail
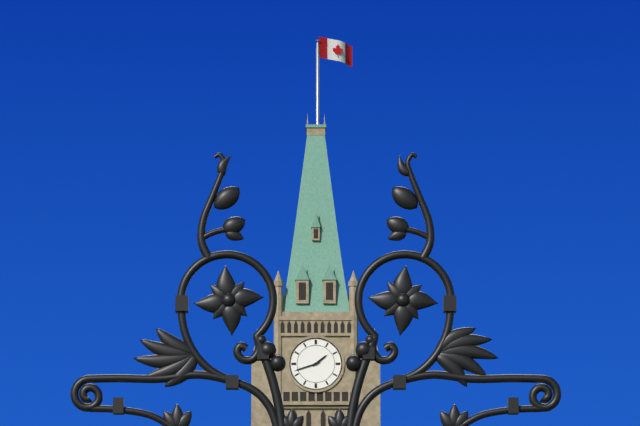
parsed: **1:42**
